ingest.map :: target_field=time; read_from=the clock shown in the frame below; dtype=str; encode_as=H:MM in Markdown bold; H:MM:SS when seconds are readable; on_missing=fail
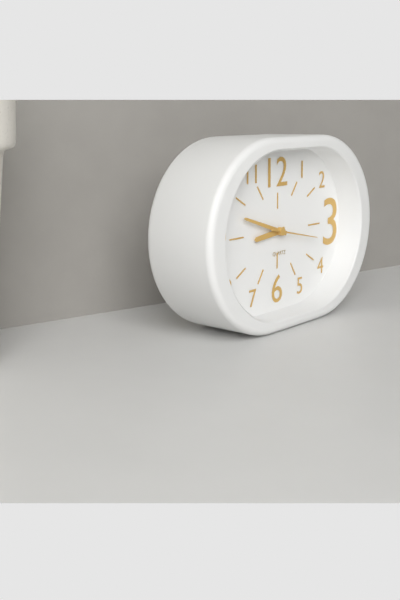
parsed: **8:48**
